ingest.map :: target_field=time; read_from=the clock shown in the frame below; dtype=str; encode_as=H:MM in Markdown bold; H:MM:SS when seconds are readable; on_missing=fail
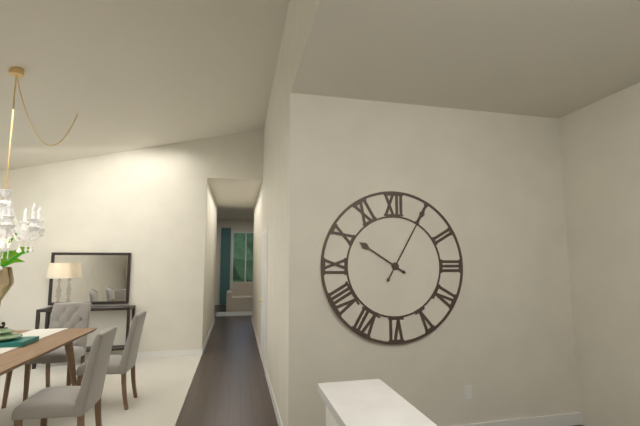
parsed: **10:05**
